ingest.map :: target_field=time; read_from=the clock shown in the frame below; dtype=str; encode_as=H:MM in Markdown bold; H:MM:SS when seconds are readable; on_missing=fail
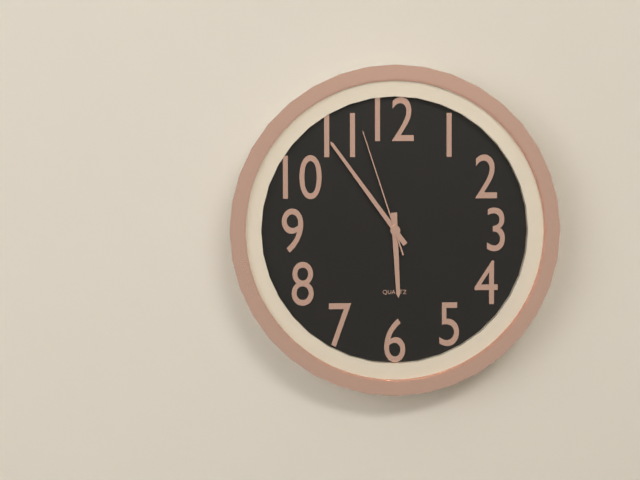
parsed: **5:54:57**
